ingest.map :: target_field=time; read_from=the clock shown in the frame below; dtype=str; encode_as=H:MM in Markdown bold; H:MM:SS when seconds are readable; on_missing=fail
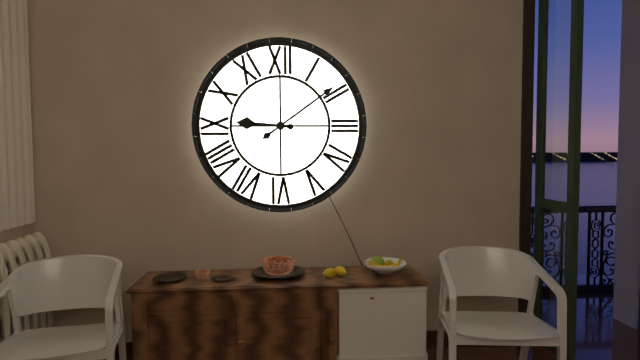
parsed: **9:09**
